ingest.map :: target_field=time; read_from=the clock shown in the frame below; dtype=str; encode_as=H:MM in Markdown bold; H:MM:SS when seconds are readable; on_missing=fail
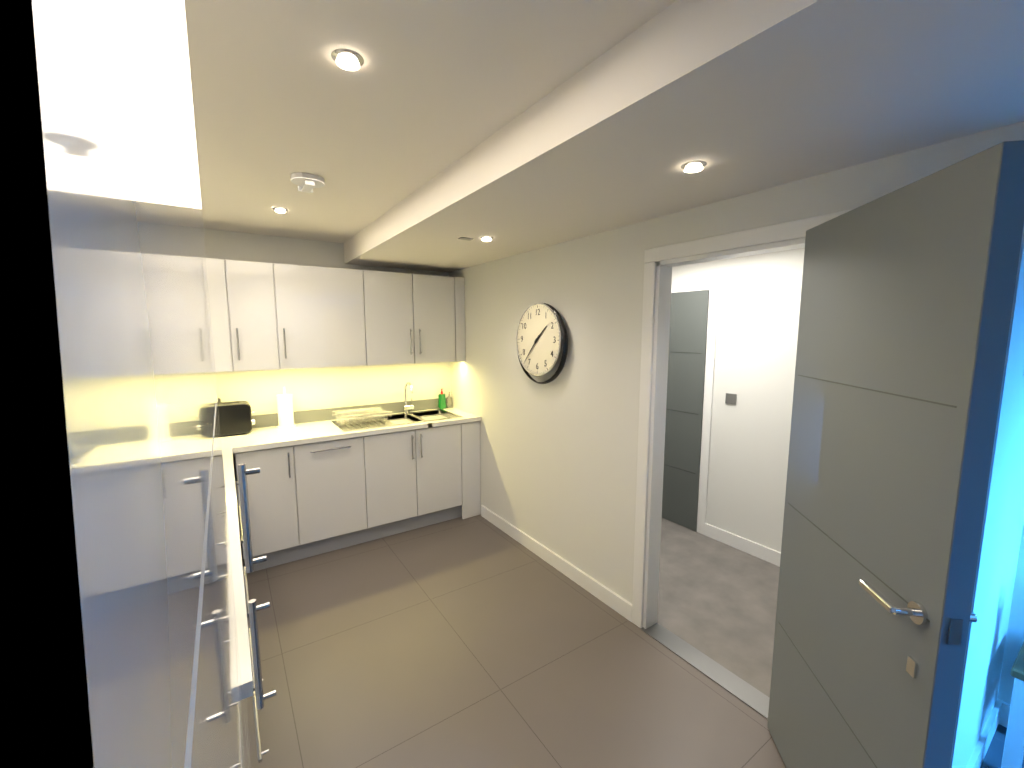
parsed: **1:37**
